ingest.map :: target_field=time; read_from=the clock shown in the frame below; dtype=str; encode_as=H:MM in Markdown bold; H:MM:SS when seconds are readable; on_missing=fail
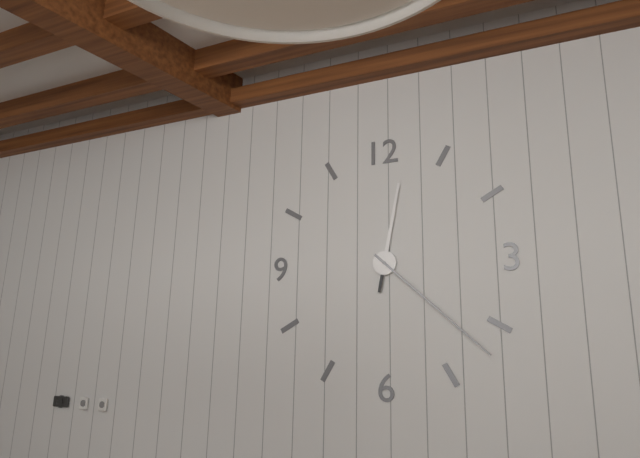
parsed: **12:22**
